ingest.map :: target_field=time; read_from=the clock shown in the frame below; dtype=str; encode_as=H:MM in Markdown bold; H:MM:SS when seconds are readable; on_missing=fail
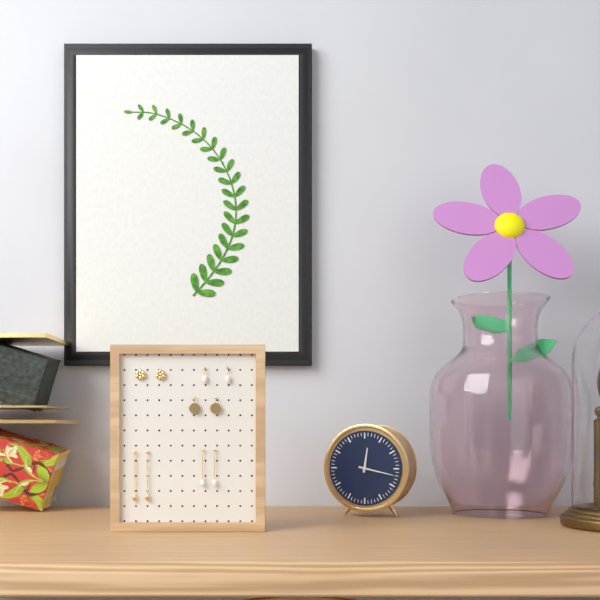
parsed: **12:17**
